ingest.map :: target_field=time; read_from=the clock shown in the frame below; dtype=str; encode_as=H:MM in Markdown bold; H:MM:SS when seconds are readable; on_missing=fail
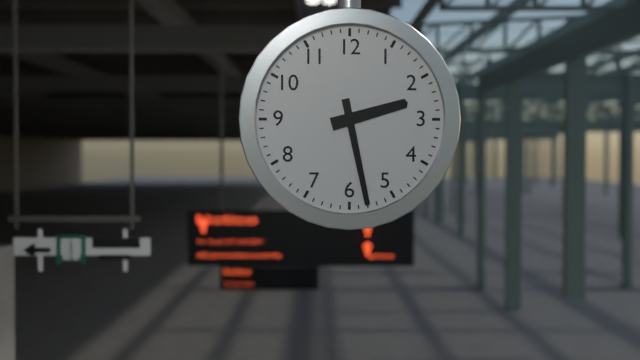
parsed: **2:28**
